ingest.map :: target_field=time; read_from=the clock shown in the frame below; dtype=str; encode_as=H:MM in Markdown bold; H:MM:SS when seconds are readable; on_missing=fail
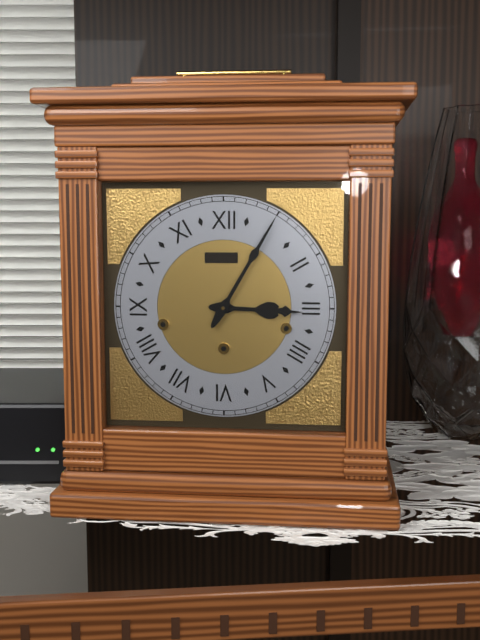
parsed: **3:05**
